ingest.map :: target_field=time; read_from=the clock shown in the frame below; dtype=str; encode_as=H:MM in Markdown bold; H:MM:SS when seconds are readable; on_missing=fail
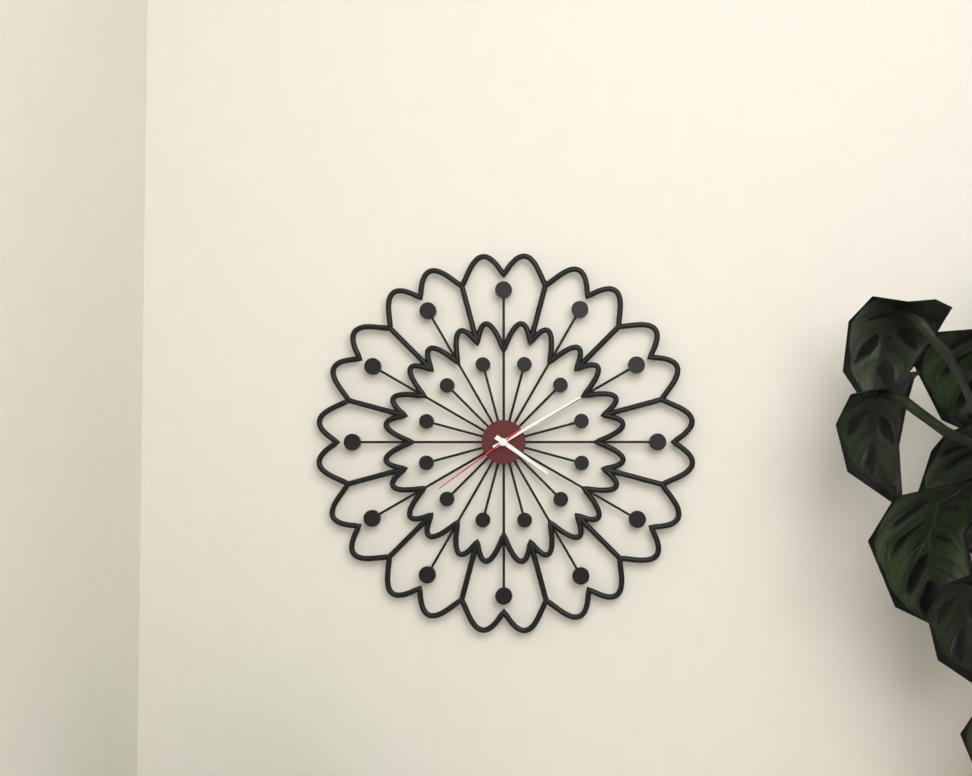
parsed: **4:10:39**
